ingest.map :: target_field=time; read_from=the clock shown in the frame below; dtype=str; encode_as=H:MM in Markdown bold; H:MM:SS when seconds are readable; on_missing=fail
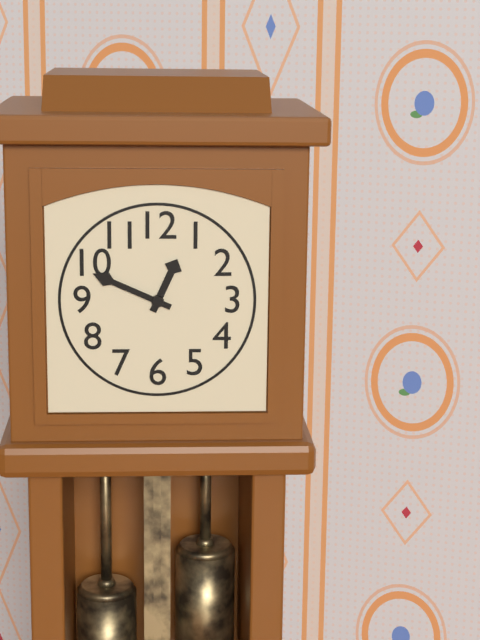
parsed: **12:49**
